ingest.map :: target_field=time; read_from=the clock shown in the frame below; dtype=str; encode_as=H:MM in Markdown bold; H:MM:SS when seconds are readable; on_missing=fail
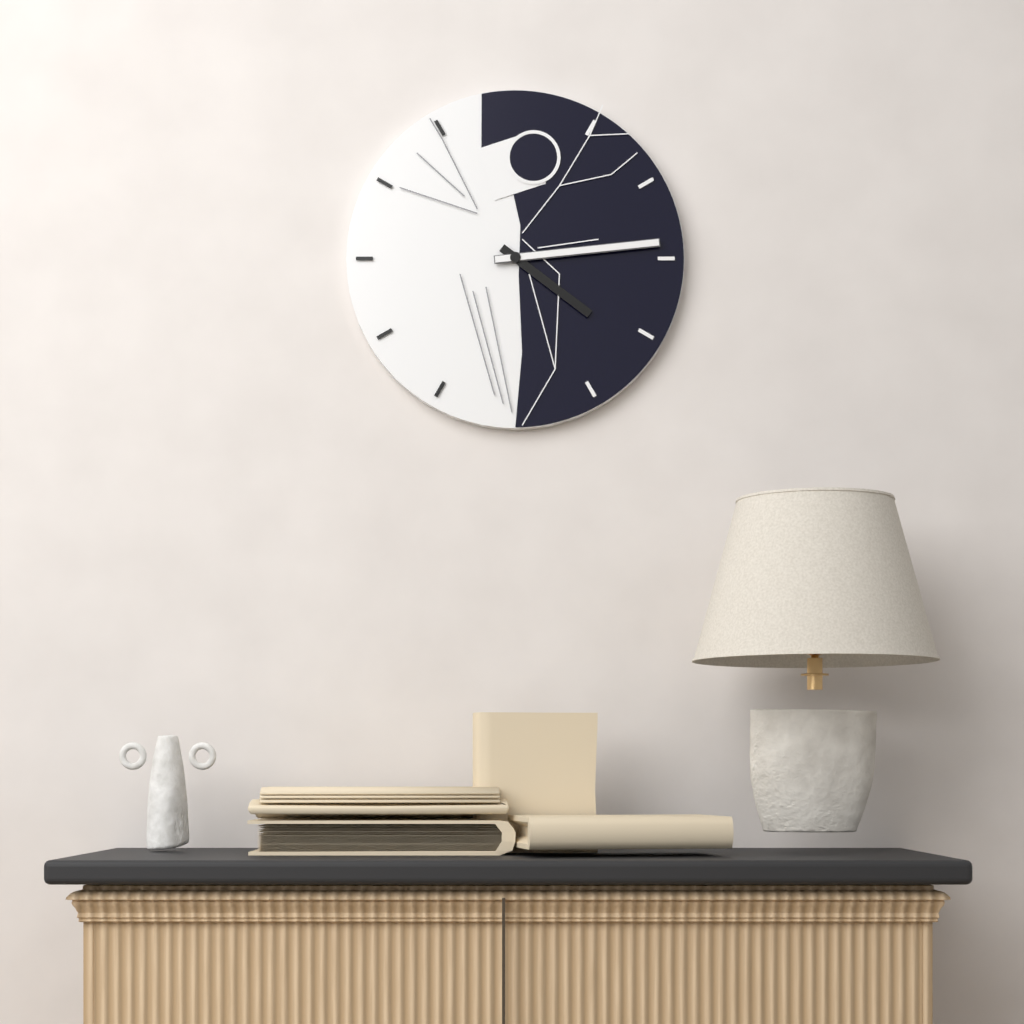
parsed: **4:14**
